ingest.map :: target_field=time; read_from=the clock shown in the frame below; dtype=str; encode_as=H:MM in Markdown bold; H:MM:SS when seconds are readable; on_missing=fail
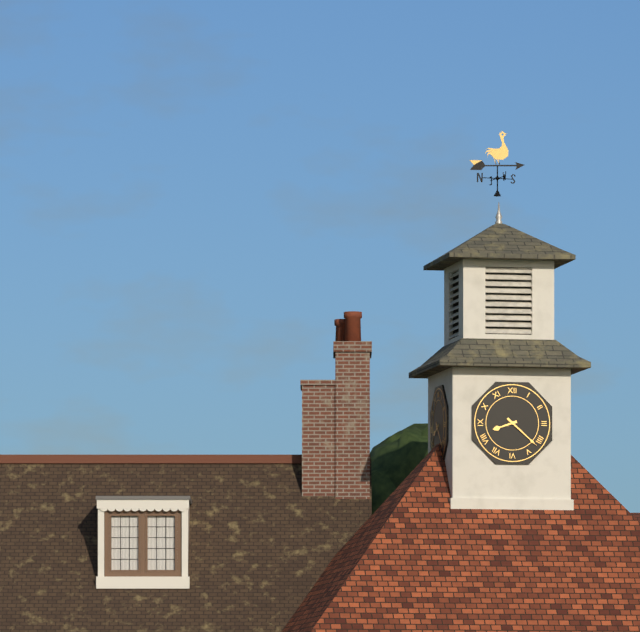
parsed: **8:22**
